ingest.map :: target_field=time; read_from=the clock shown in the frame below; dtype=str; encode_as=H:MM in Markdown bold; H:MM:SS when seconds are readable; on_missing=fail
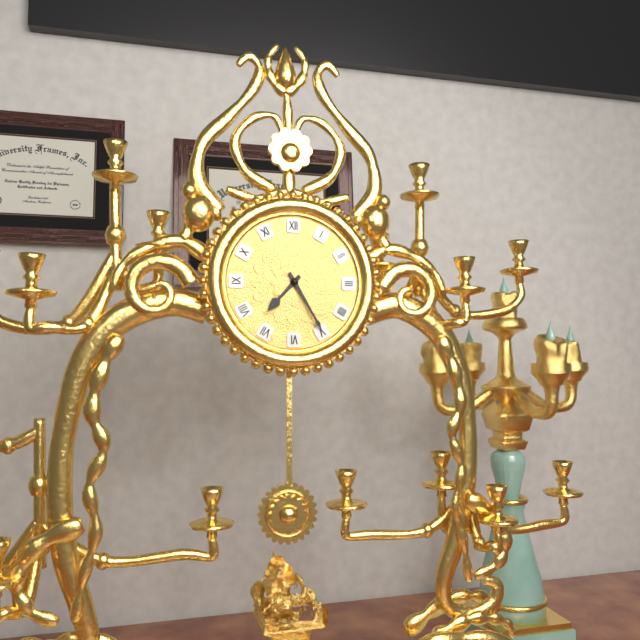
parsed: **7:25**
